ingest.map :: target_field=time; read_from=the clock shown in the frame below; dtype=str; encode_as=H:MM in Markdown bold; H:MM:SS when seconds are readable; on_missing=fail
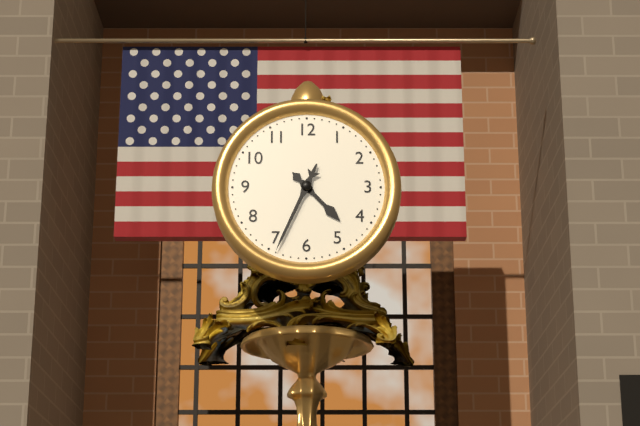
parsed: **4:34**
